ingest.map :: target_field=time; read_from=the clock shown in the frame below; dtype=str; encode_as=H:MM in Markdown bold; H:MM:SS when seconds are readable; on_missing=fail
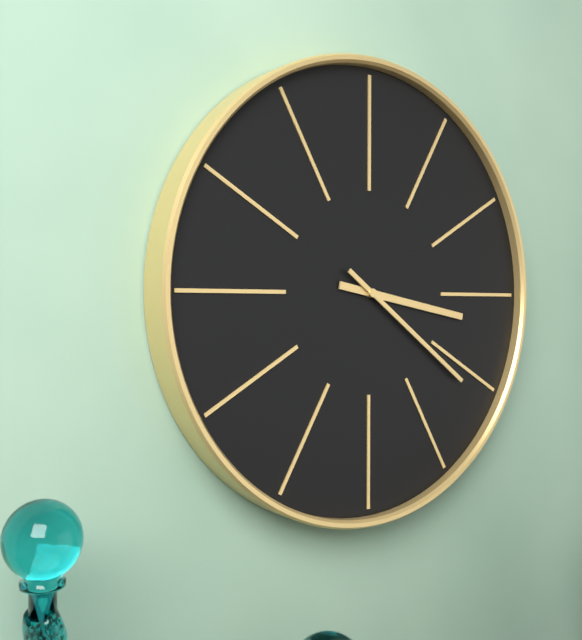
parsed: **3:21**
